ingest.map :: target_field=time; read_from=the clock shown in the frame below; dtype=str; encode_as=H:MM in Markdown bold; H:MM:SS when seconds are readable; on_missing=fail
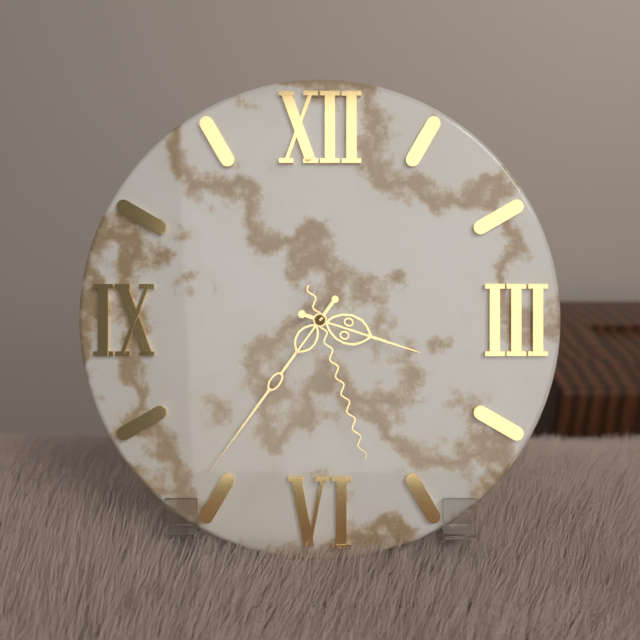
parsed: **3:36:27**
